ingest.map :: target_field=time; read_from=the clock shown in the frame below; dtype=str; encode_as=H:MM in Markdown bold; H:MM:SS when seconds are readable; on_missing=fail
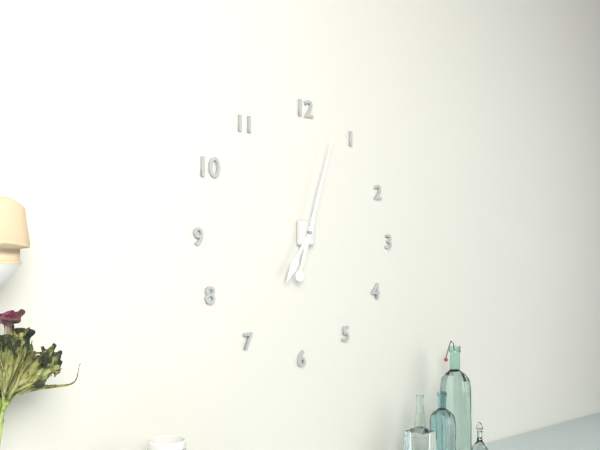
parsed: **7:03**
